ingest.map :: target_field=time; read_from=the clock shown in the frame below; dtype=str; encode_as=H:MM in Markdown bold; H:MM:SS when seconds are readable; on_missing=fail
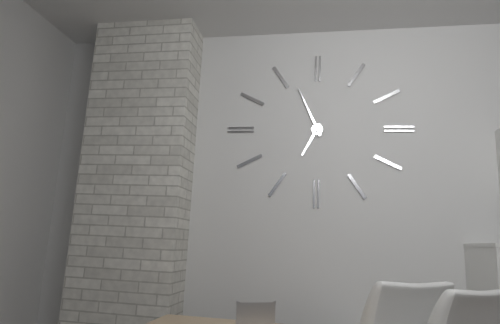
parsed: **6:56**
